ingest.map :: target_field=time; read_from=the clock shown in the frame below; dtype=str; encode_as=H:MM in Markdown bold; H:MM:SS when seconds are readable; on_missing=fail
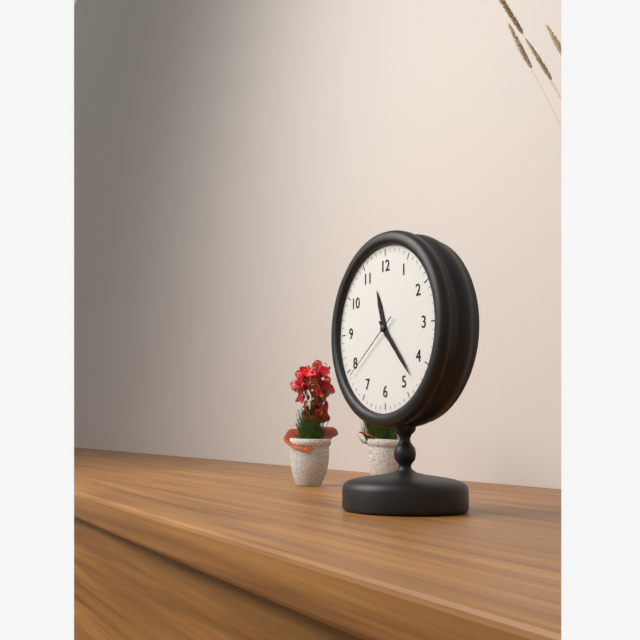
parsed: **11:23:39**
